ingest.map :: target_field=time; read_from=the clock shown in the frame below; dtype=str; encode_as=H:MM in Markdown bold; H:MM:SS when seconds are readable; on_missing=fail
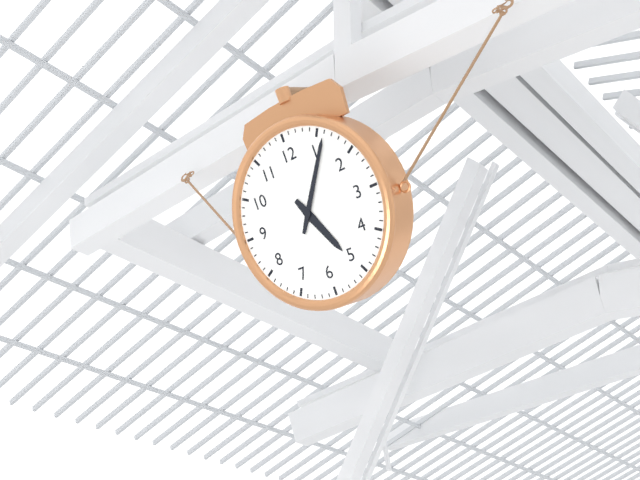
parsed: **5:06**
